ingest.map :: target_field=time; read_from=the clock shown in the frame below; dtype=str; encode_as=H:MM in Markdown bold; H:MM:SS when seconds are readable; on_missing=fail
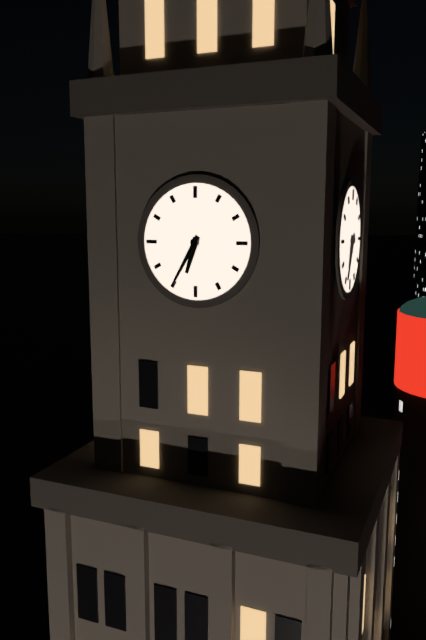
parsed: **6:35**
